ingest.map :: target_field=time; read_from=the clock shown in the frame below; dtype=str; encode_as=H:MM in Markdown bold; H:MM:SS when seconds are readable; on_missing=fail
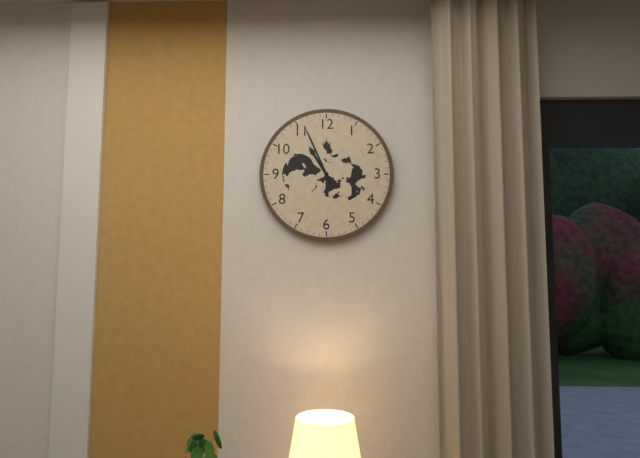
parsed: **10:56**
